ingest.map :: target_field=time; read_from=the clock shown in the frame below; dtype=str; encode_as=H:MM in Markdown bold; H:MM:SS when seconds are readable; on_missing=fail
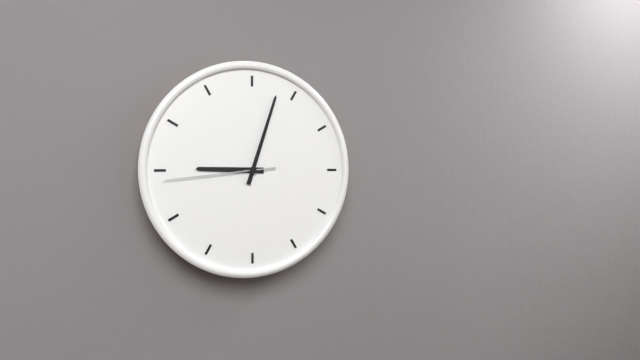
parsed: **9:03:44**
